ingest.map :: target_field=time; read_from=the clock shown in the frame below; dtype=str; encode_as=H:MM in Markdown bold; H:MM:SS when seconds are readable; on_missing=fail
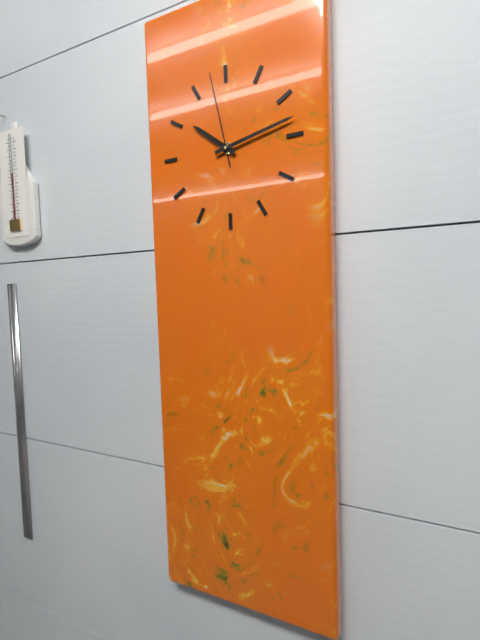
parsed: **10:13:58**
